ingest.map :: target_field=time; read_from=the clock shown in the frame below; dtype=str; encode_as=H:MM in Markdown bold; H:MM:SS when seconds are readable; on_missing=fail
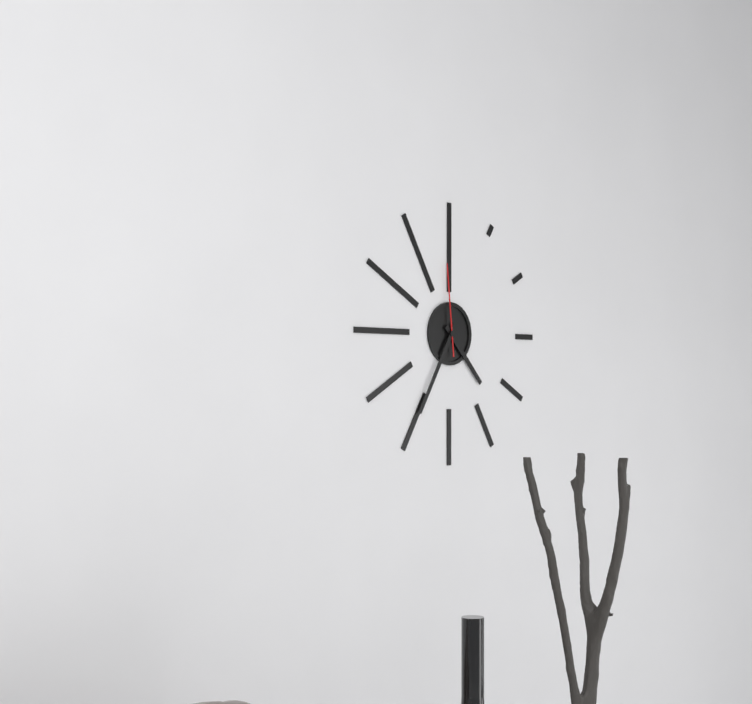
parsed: **4:35:59**
